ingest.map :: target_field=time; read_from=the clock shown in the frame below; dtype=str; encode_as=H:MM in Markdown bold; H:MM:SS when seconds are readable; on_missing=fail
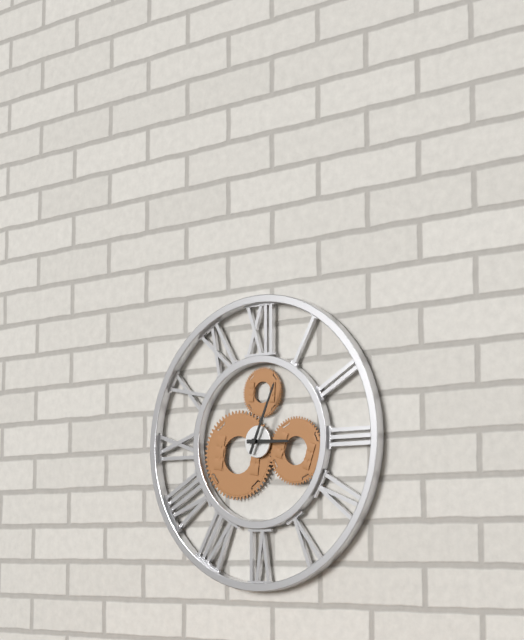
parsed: **3:04**
